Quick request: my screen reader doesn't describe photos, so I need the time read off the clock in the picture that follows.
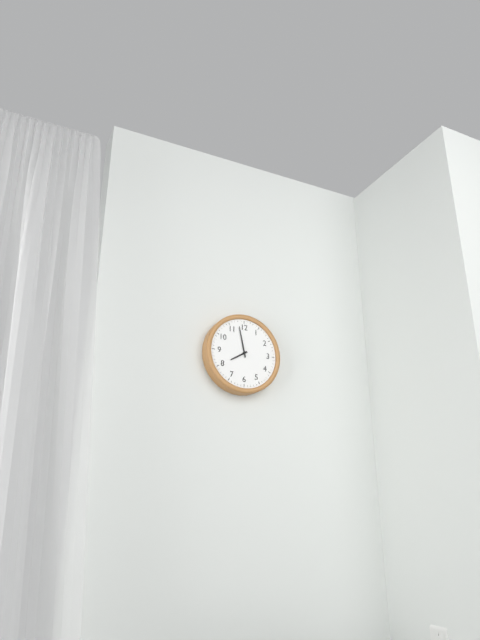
7:58
